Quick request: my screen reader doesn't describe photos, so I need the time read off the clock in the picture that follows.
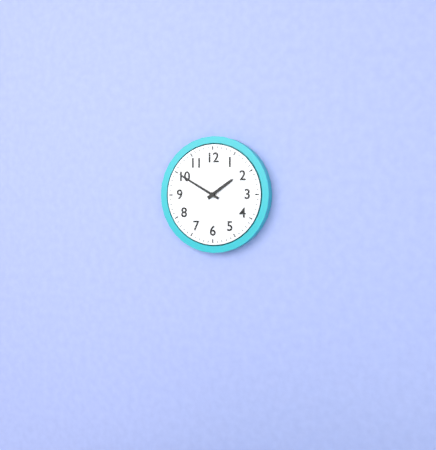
1:50
